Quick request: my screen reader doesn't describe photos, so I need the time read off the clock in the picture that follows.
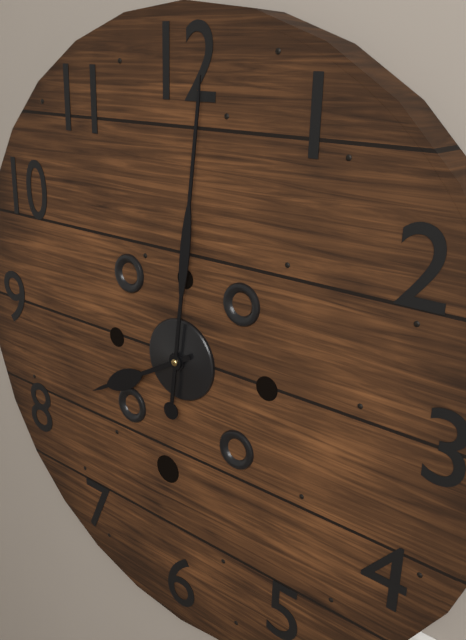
8:01
